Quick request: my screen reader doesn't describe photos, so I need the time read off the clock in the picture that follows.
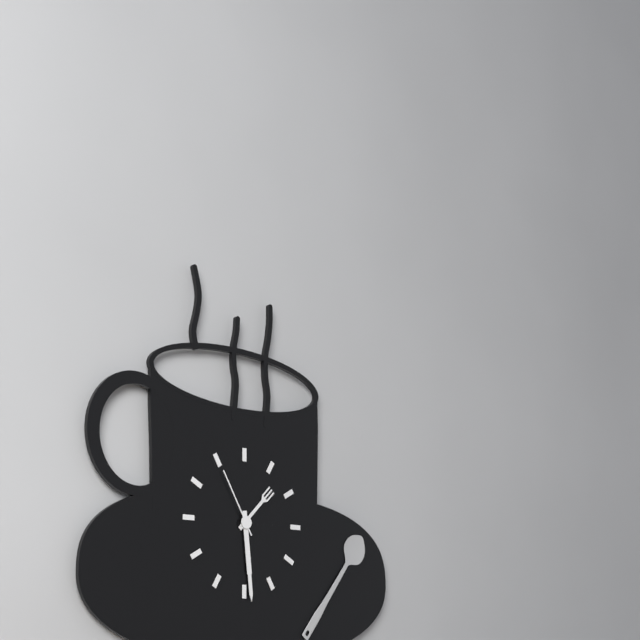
1:29:55
